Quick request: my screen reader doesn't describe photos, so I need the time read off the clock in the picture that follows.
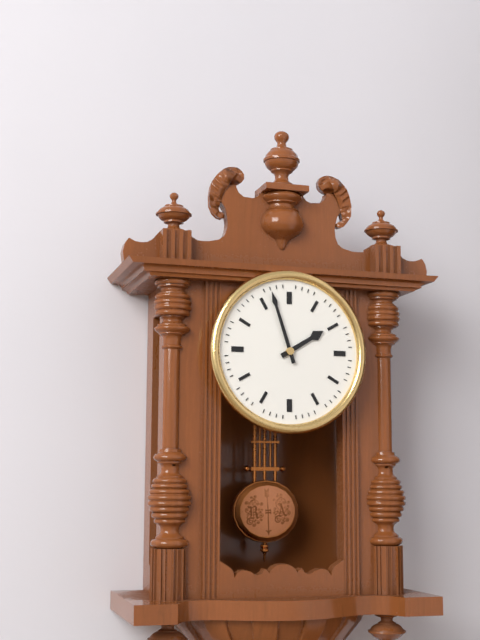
1:57
